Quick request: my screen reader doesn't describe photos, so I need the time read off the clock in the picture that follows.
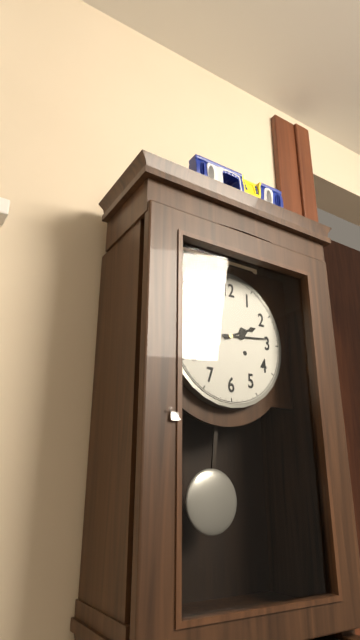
2:14
